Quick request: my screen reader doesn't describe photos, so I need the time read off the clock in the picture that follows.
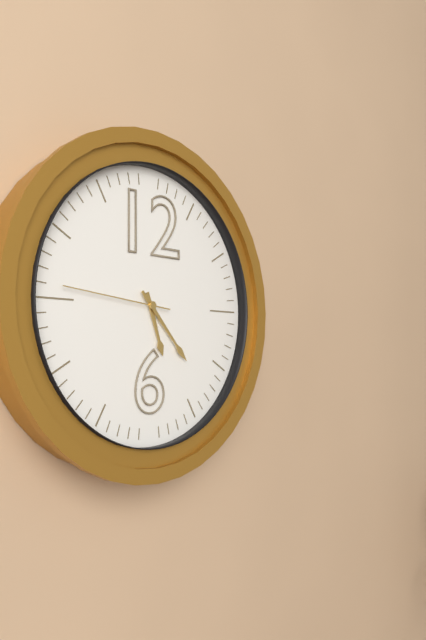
5:23:46
